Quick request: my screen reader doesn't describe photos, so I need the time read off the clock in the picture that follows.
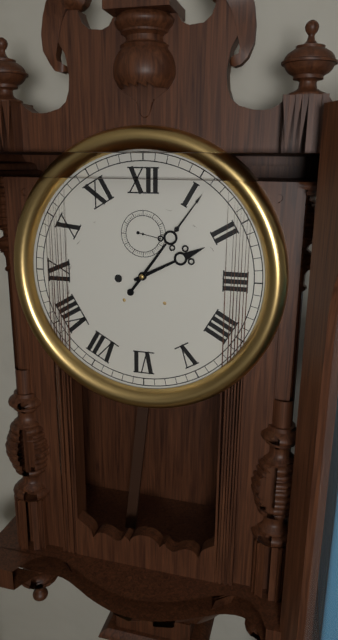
2:06
